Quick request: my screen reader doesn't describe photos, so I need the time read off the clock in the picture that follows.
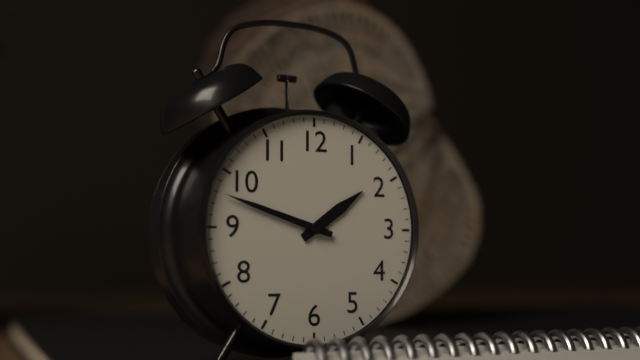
1:48
